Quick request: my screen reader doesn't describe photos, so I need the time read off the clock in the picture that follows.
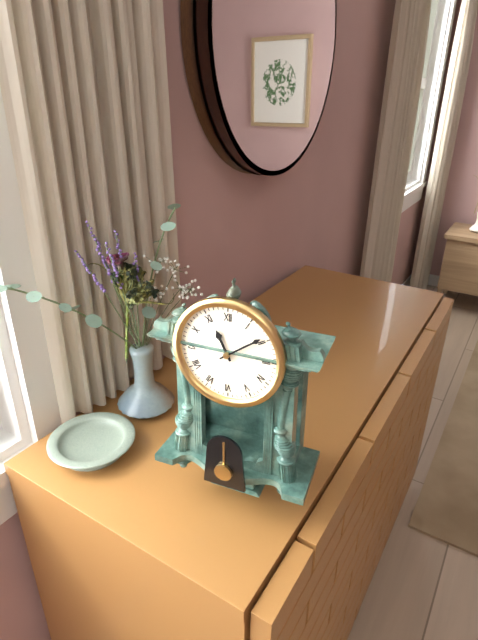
11:09
